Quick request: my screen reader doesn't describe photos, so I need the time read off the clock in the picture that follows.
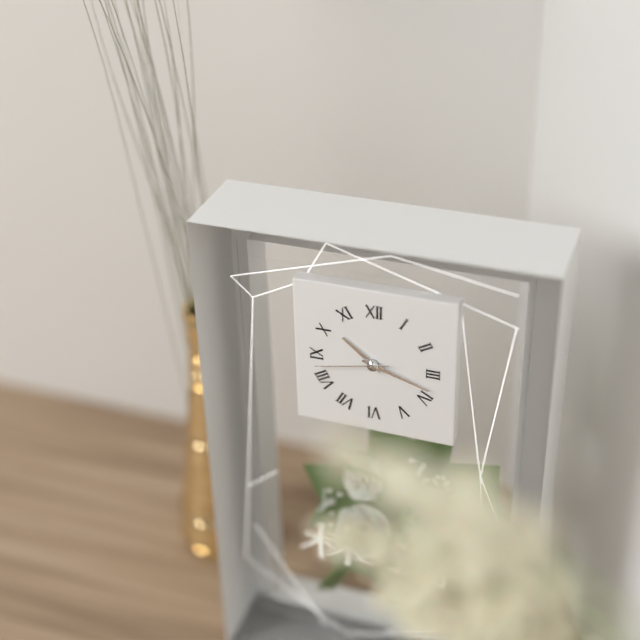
10:18:43
